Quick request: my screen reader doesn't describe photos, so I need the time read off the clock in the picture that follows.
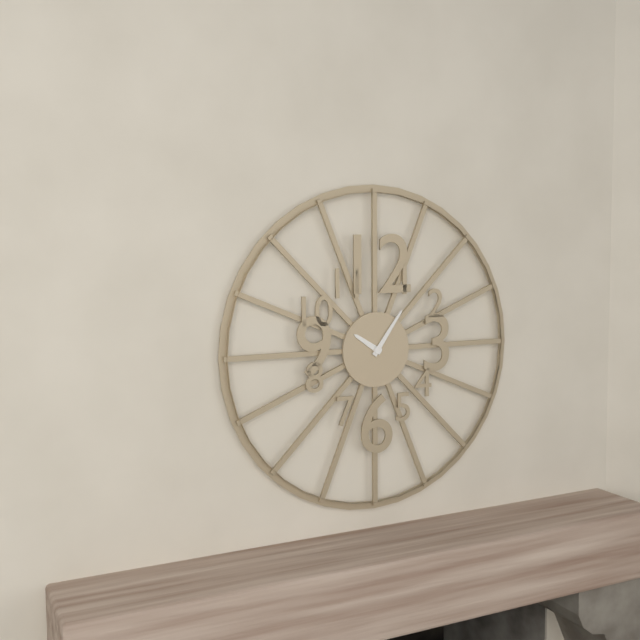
10:06
